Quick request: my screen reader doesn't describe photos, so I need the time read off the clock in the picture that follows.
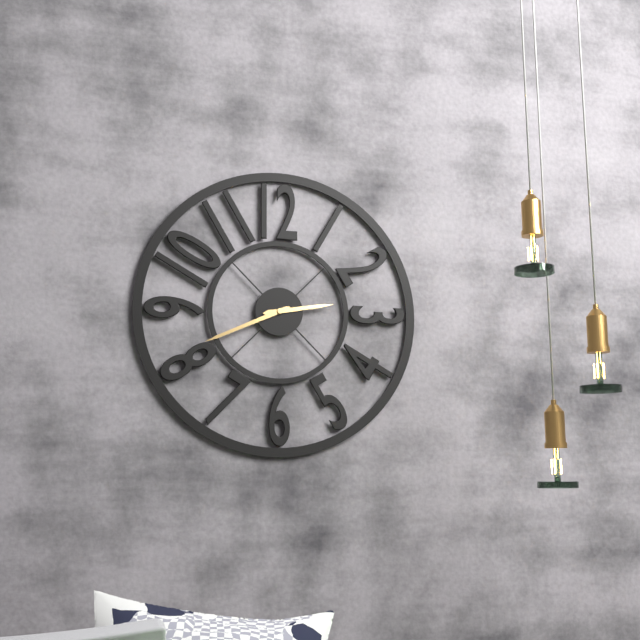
2:41
